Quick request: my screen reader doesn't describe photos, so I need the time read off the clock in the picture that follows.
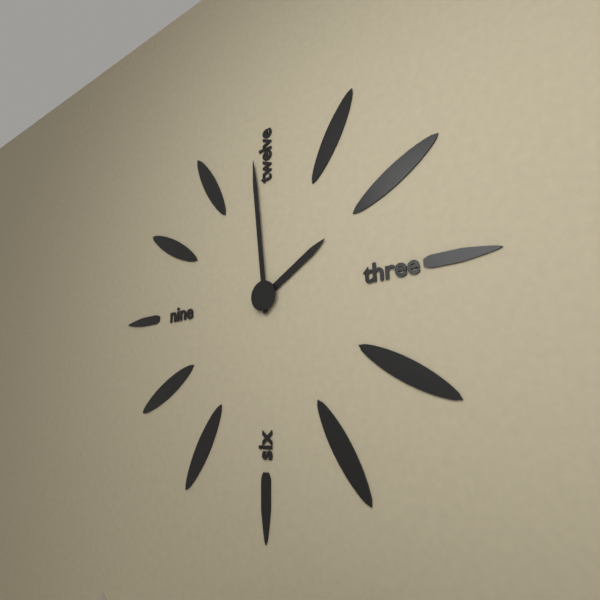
1:59
